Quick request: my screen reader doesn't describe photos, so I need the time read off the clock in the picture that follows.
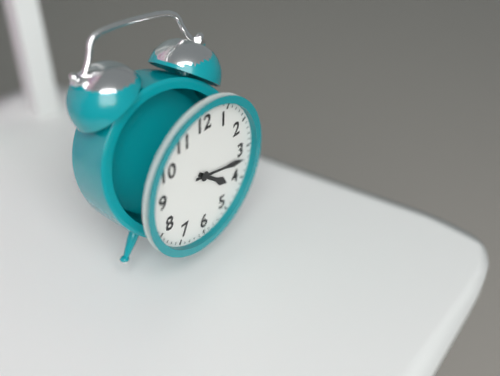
4:17
